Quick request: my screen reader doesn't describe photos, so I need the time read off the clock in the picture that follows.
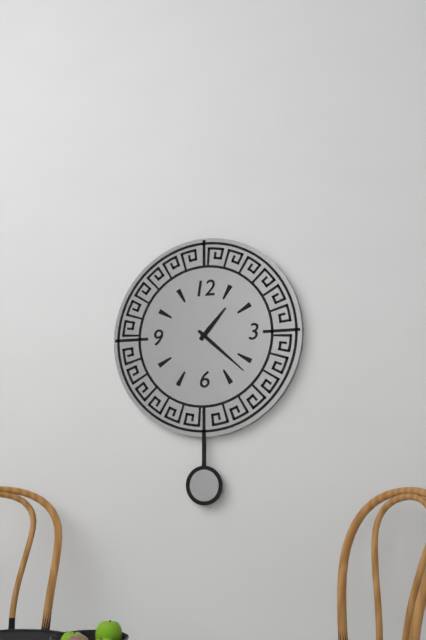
1:22
